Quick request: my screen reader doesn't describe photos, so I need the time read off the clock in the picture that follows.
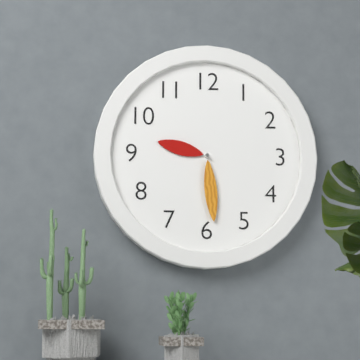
9:29
